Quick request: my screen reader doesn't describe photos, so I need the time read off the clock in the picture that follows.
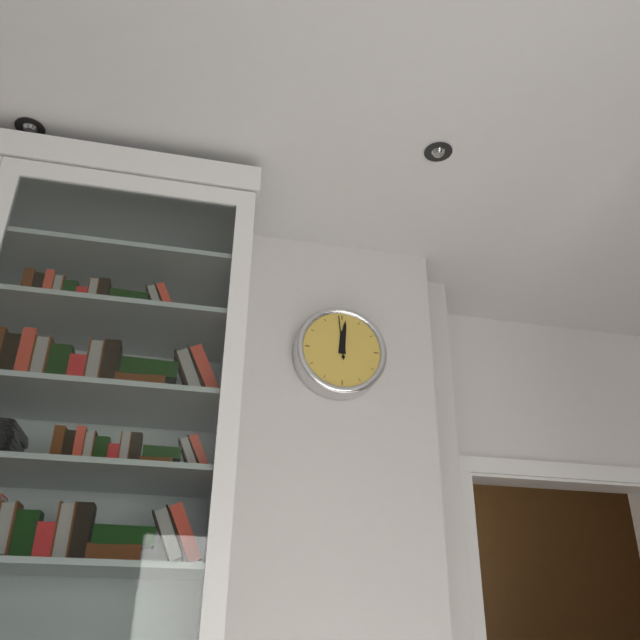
12:01
